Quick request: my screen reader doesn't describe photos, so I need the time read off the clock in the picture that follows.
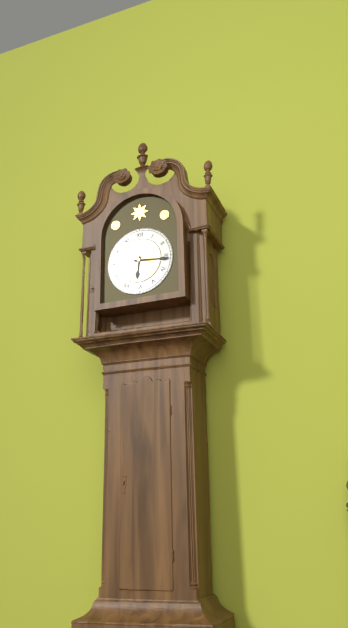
6:16
